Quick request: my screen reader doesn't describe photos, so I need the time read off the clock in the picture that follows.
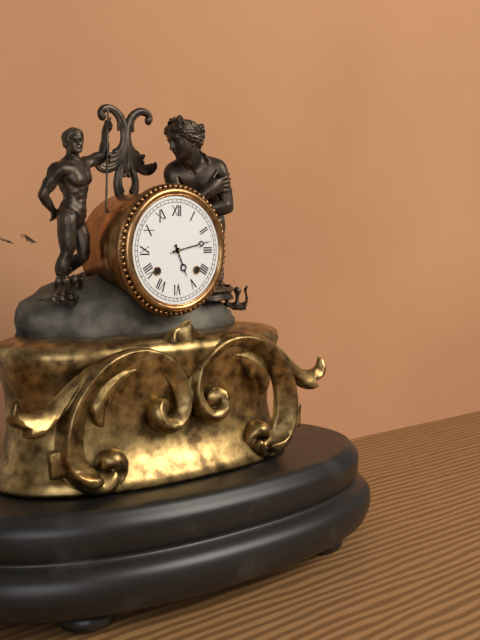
5:13
